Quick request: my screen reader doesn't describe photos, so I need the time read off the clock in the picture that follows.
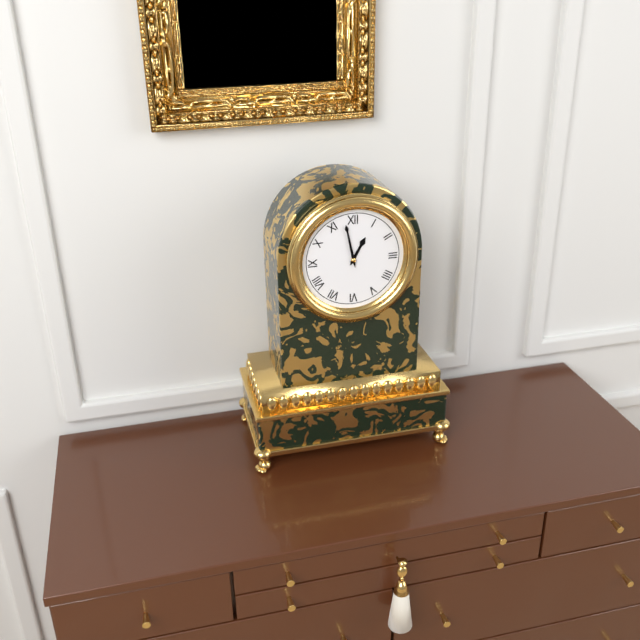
12:58
